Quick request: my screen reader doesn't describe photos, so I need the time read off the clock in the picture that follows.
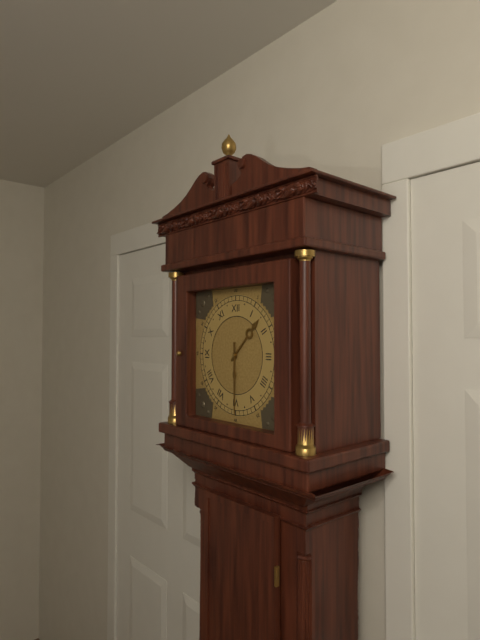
1:30
